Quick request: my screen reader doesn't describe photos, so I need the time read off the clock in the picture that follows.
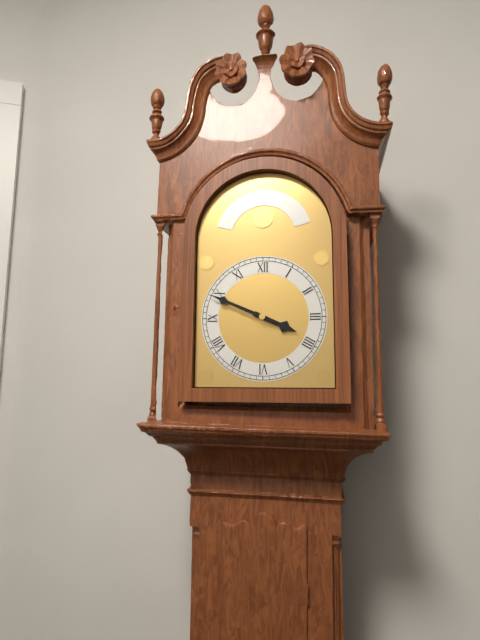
3:49
